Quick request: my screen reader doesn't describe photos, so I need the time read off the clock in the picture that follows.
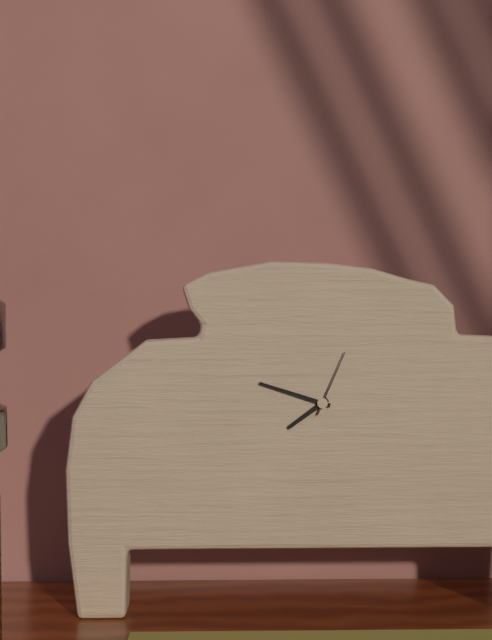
7:48:04
